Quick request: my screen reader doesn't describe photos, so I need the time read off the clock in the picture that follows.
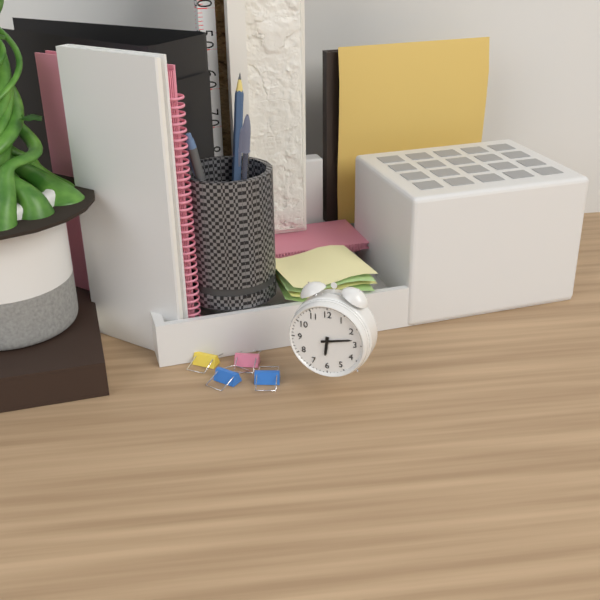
6:13
